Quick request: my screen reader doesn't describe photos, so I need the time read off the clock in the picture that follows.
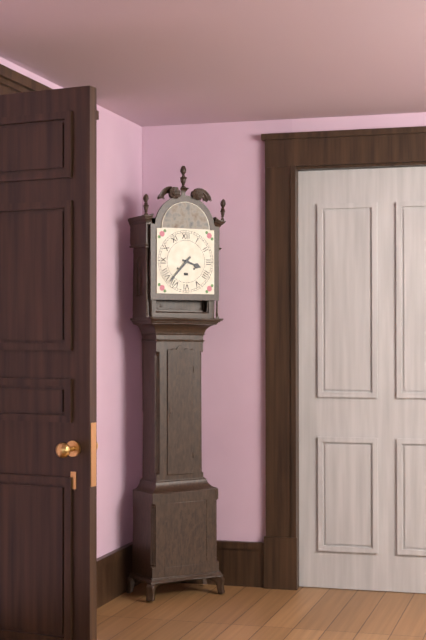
3:37
